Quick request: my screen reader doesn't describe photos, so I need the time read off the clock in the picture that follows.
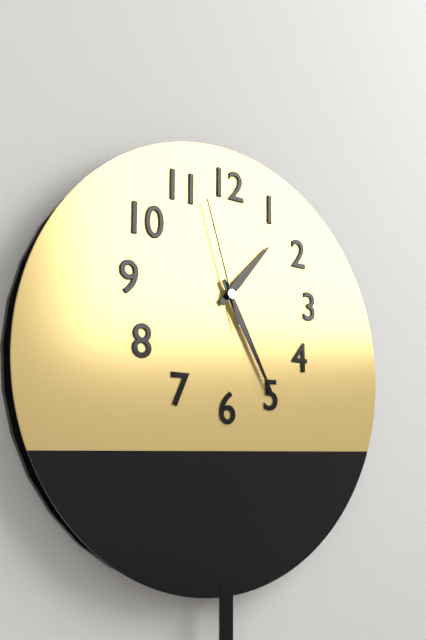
1:25:57
